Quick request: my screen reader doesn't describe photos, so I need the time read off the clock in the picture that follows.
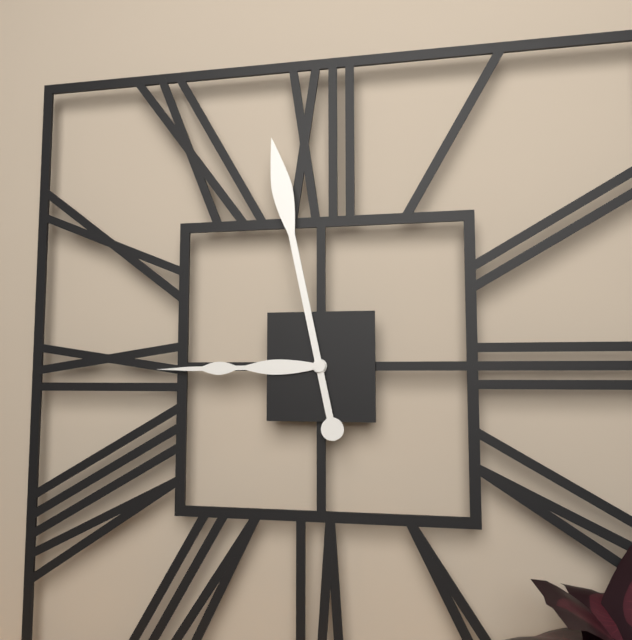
8:58
